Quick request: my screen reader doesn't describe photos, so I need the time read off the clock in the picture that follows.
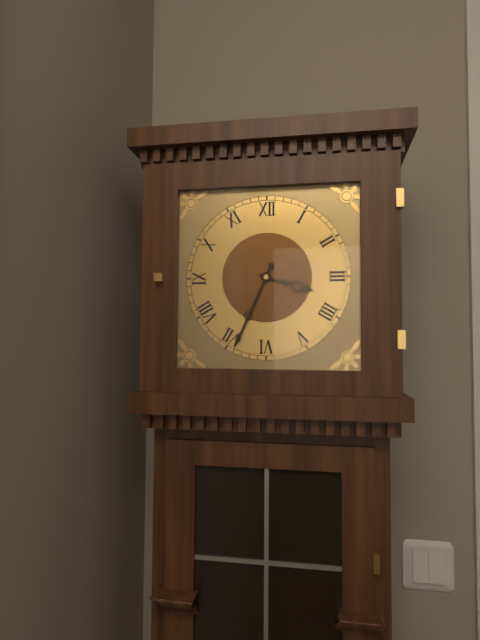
3:34
